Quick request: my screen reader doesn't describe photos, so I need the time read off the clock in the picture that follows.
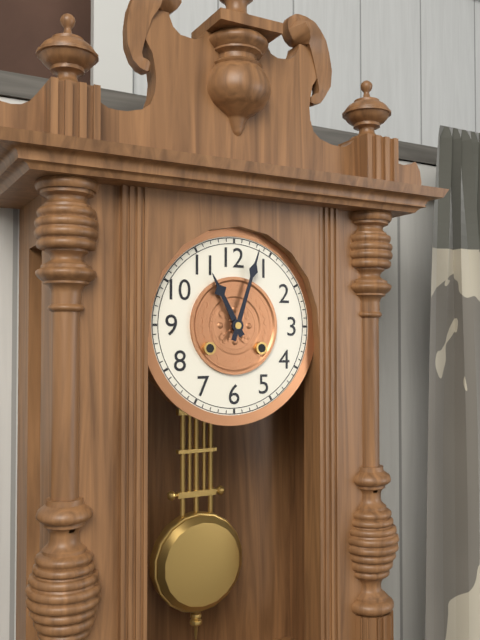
11:03
